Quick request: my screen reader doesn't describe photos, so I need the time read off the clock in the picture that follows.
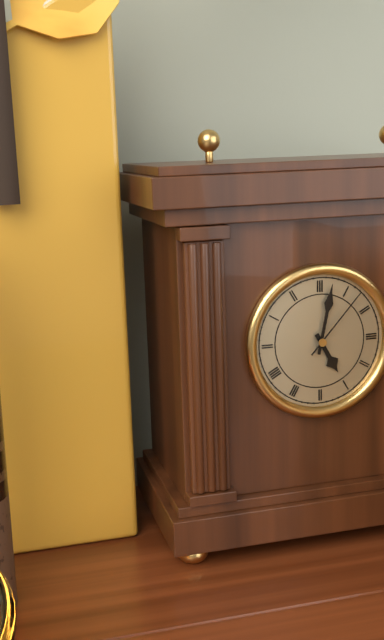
5:02:07
